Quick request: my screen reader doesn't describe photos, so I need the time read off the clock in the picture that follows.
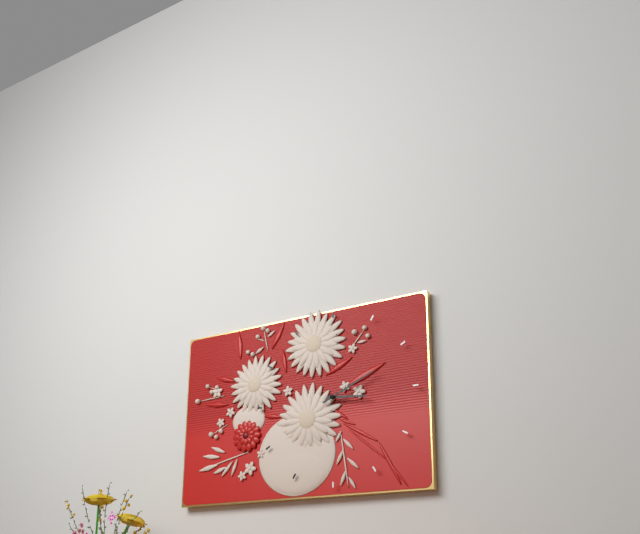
3:11
